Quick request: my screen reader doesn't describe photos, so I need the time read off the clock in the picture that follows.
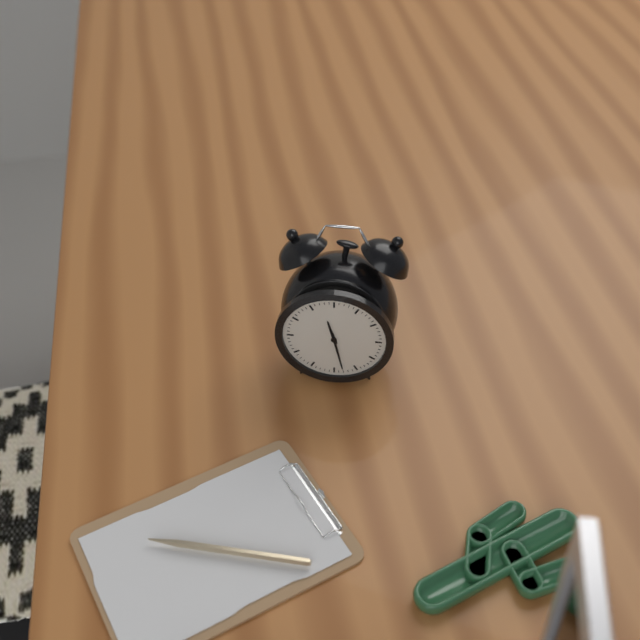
11:28
